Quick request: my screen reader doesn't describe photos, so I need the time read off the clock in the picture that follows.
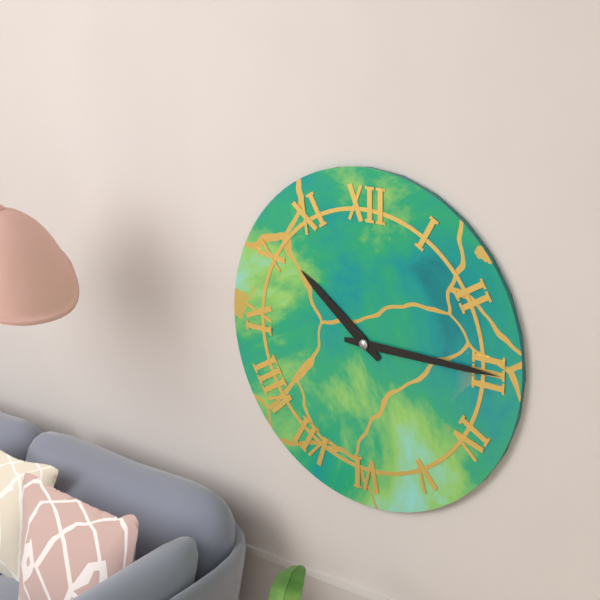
10:15
